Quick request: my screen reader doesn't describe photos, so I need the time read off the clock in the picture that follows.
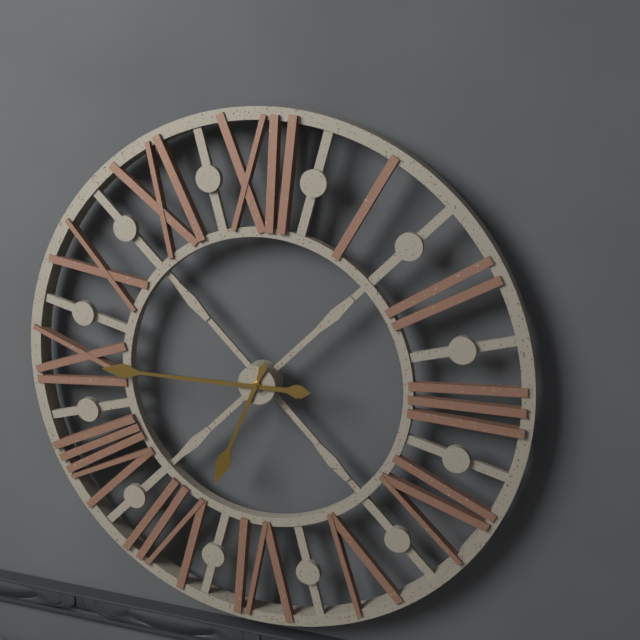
6:45
